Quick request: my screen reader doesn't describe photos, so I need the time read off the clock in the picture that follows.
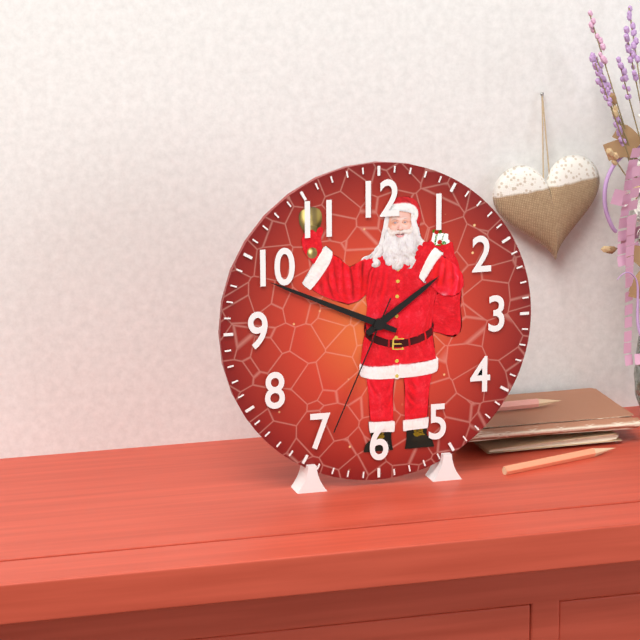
1:49:34
